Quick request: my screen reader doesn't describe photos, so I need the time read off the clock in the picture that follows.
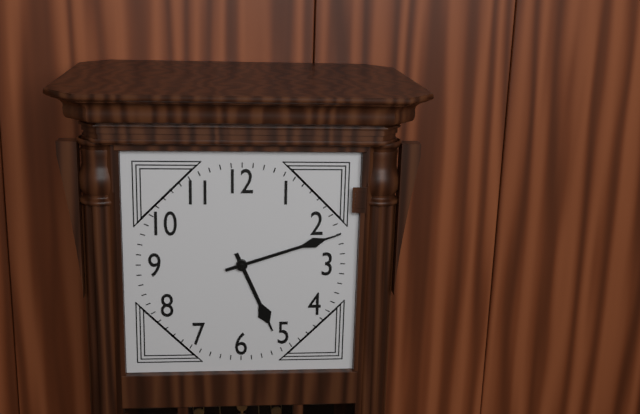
5:12
